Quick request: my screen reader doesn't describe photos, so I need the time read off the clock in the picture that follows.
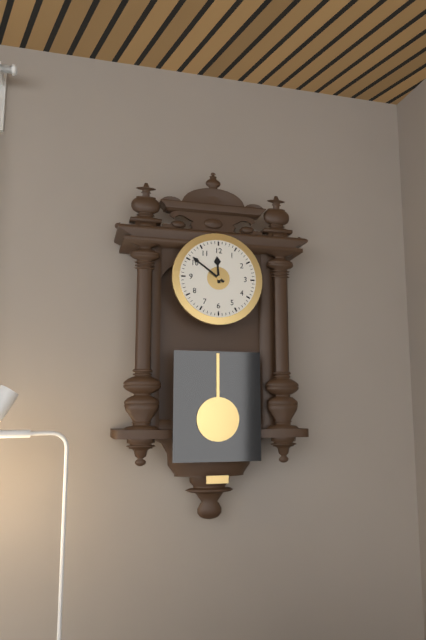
11:51
